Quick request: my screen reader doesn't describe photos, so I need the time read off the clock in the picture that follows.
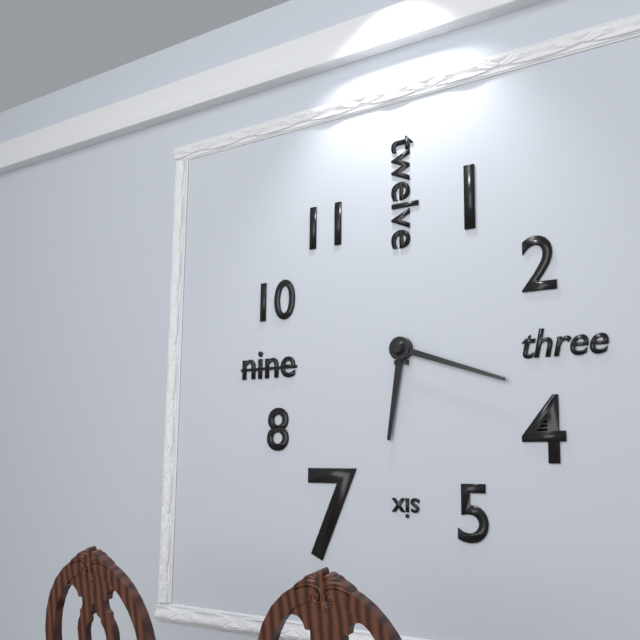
6:18
